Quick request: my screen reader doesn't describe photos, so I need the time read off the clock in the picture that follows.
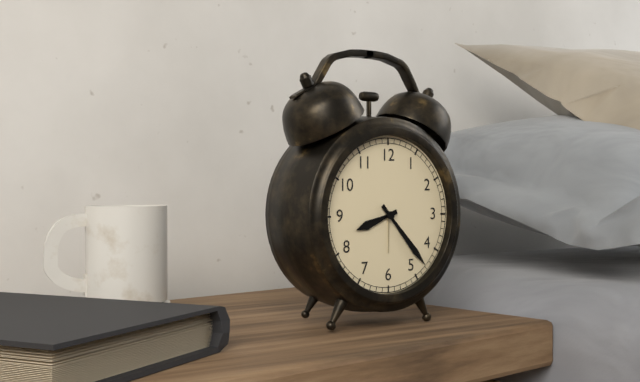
8:23
